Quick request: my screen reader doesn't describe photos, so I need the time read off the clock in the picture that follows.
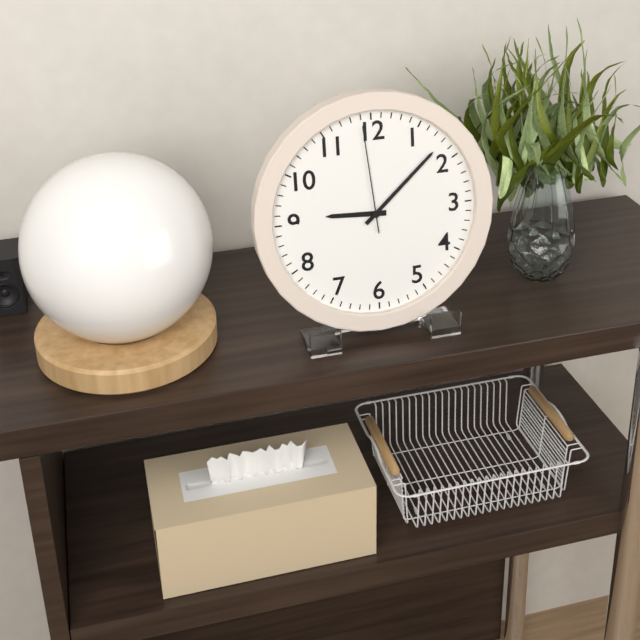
9:08:59
